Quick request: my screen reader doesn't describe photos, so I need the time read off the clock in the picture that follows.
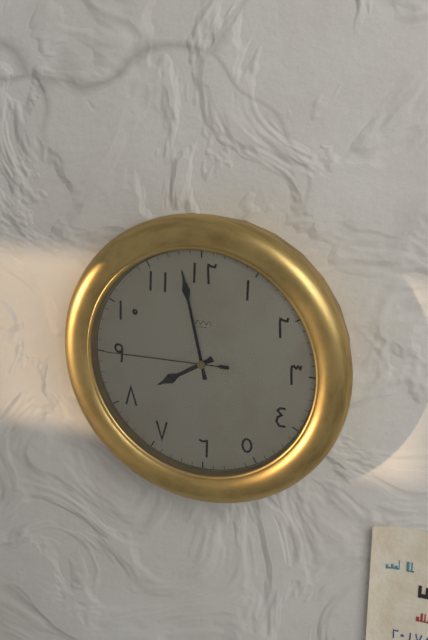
7:58:45
